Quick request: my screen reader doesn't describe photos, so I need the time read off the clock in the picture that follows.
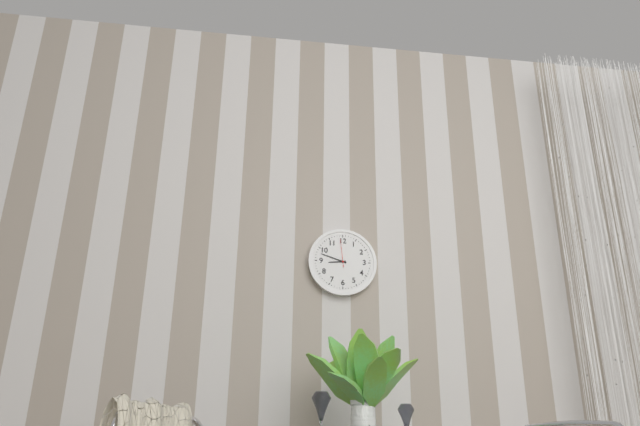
8:48
